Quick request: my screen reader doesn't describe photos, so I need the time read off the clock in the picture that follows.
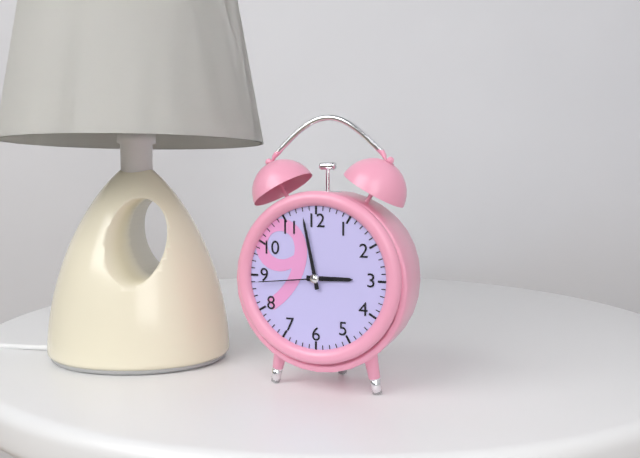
2:58:44
